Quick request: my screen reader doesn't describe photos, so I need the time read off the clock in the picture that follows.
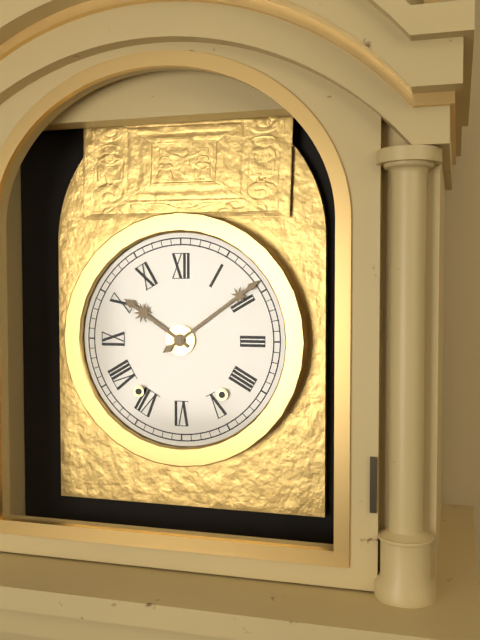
10:09
